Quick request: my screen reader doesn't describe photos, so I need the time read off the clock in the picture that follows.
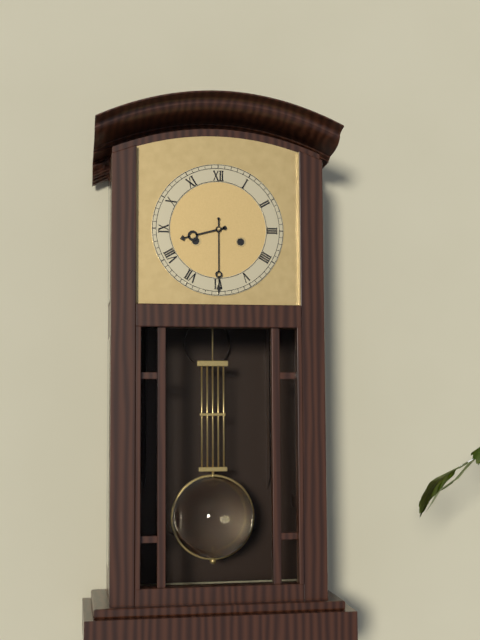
8:30
